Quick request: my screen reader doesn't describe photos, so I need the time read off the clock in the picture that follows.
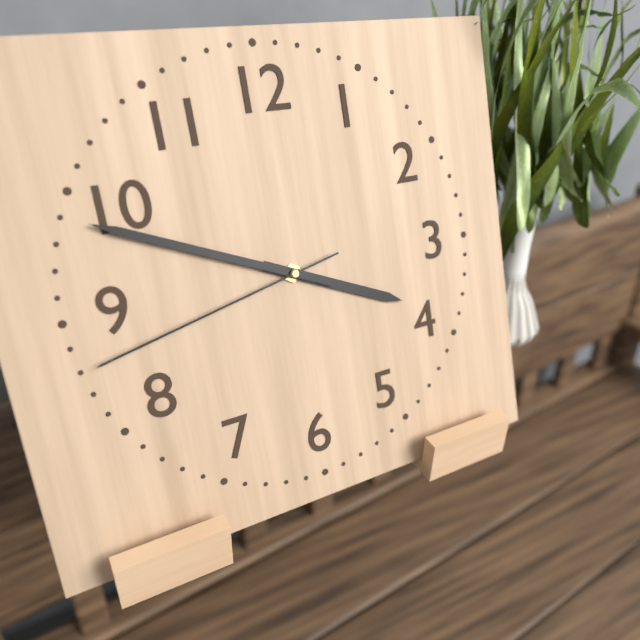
3:49:43
